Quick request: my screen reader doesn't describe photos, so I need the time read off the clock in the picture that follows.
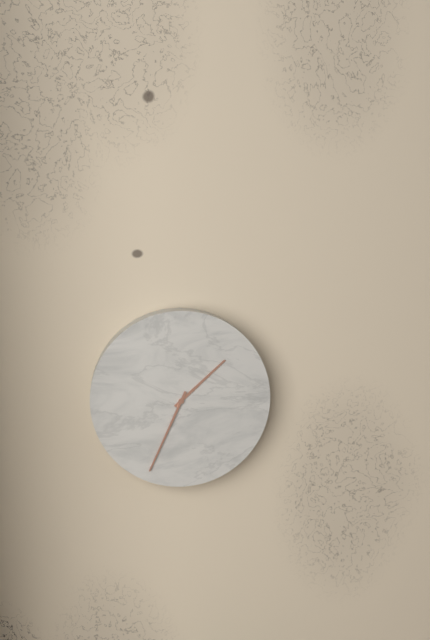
1:34
